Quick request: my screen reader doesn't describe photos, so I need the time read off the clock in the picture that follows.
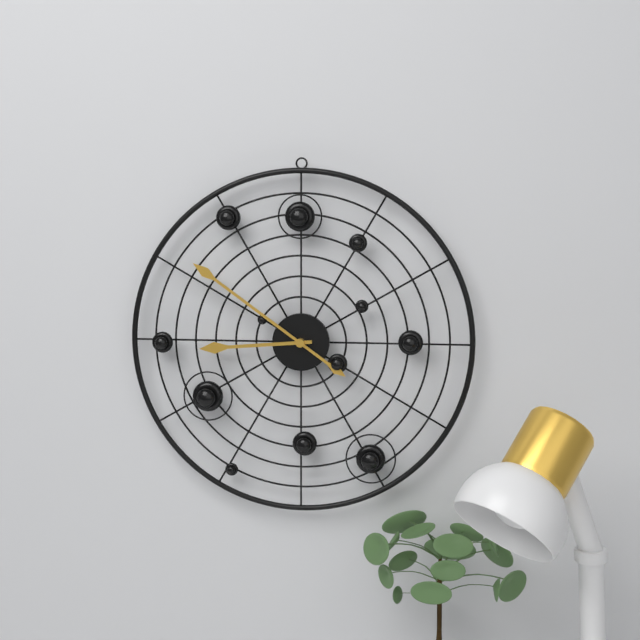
8:51
